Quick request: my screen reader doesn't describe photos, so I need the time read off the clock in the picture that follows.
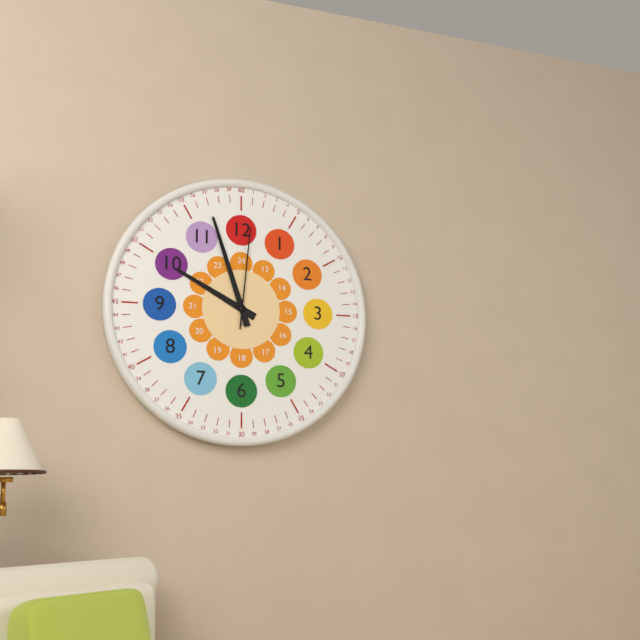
9:57:01
